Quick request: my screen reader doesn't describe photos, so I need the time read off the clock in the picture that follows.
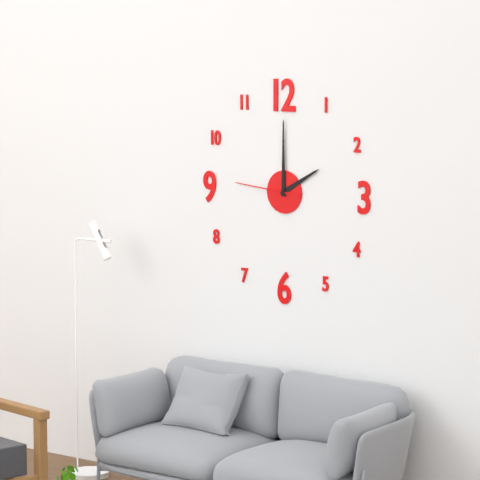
2:00:46
